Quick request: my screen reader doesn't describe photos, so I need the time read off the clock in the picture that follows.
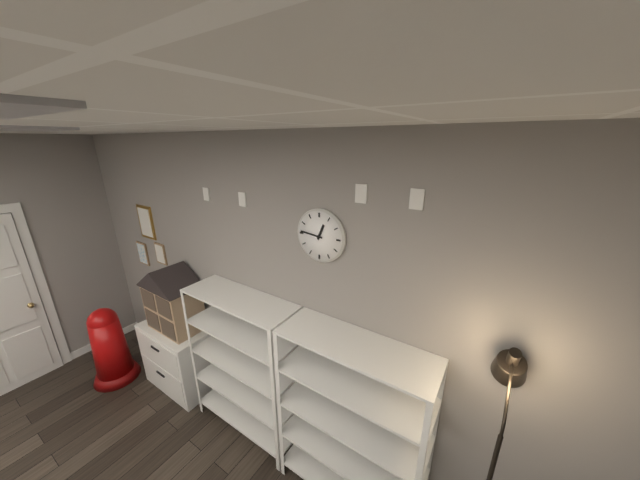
12:46
